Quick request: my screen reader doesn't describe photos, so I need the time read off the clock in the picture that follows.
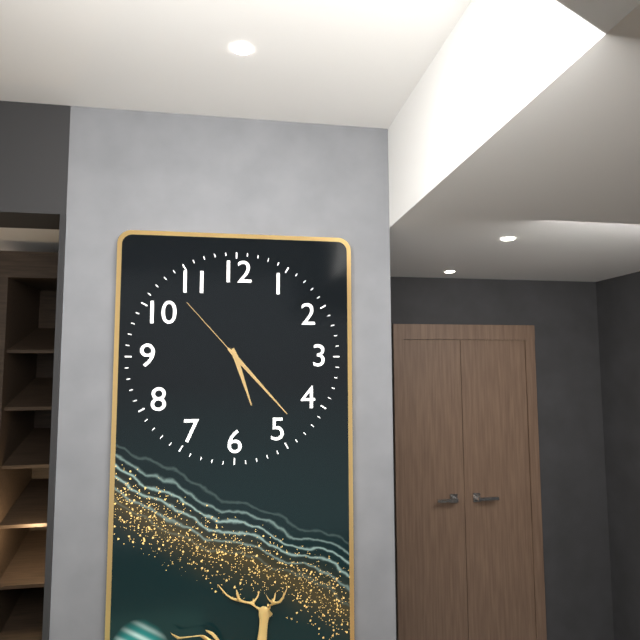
5:23:53
